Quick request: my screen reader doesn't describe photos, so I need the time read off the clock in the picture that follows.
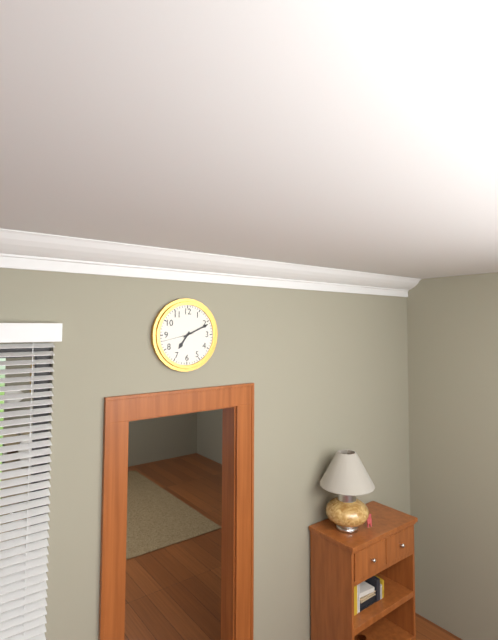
7:11
